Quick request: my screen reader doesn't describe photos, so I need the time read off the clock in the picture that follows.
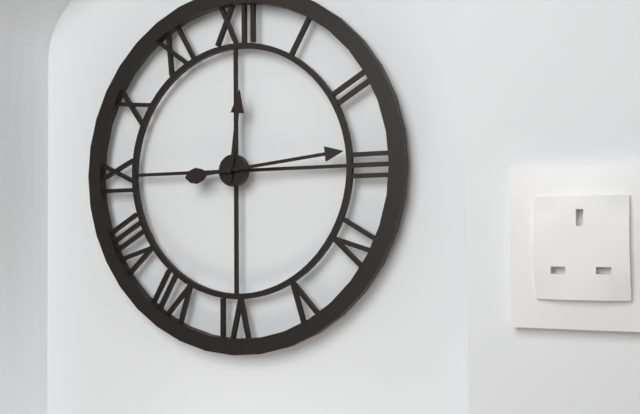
12:14
